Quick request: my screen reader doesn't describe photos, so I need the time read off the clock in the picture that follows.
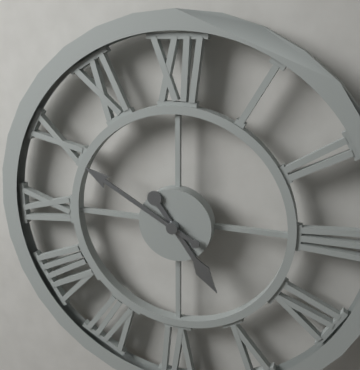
4:50
